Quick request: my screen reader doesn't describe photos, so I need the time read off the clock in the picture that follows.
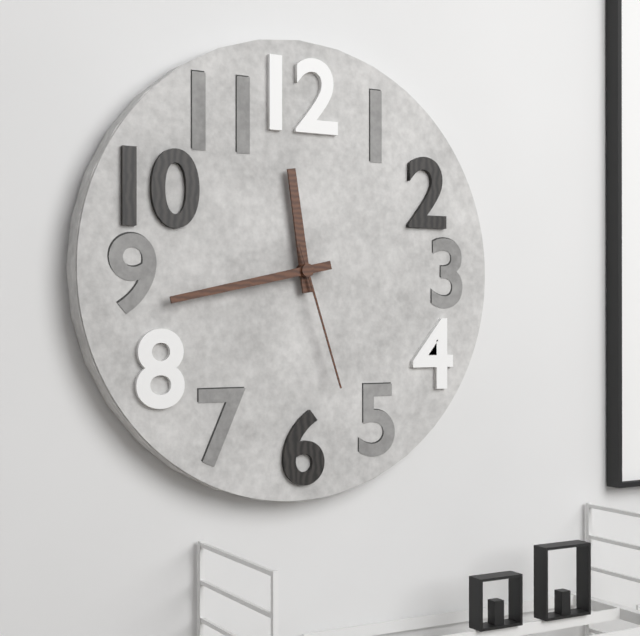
11:43:27
